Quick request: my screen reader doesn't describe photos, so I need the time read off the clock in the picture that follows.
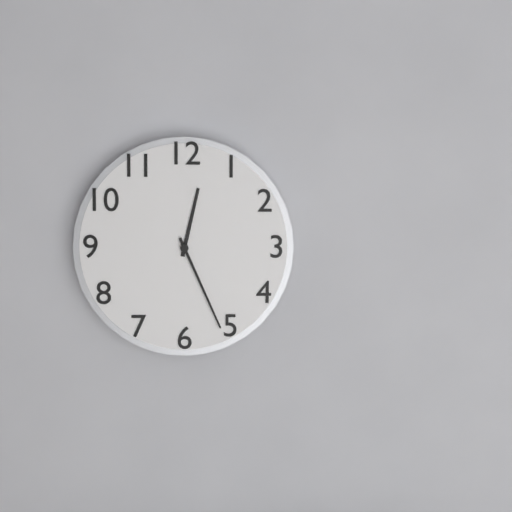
12:26
